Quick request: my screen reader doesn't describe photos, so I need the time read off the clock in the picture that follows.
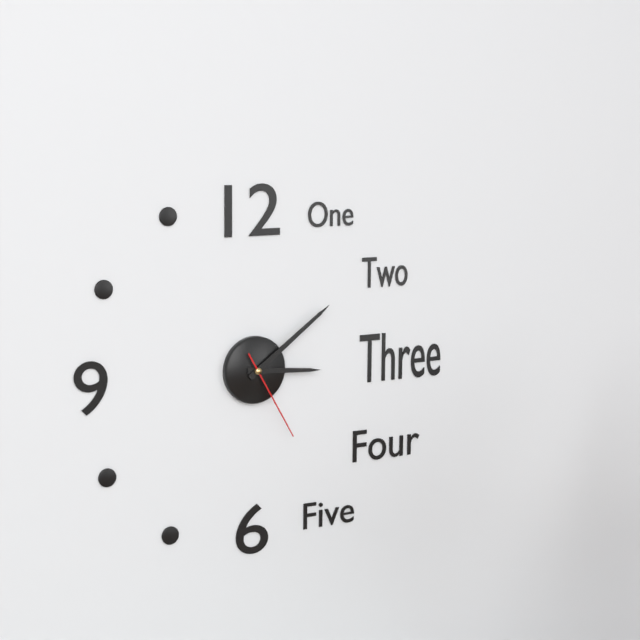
3:09:25
